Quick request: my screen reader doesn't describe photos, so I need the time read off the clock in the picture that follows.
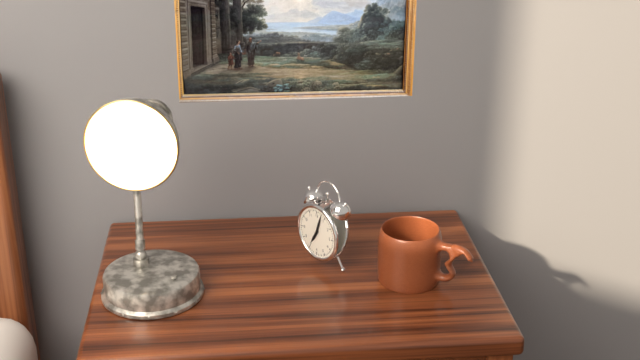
7:03
